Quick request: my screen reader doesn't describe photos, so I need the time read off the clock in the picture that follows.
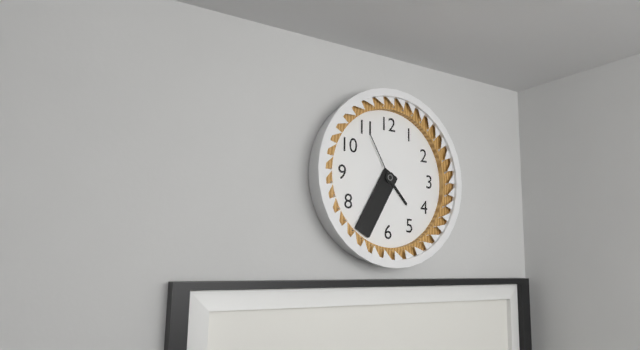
4:35:55
